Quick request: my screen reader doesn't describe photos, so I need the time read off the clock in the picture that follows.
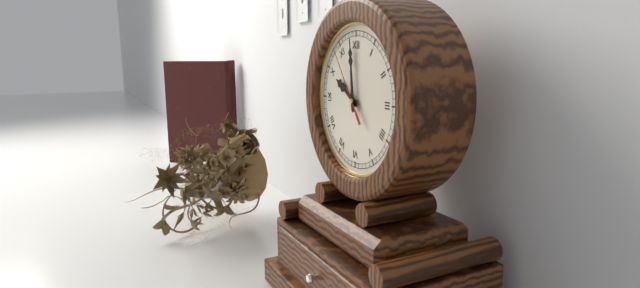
9:59:54
